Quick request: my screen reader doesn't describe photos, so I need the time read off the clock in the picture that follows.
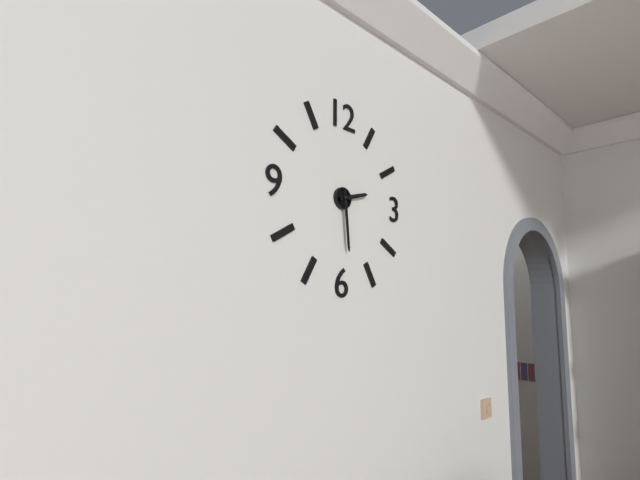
2:29
